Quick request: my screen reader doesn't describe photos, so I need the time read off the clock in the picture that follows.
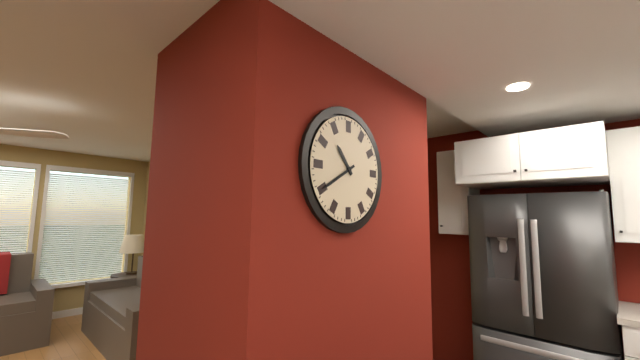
10:40
